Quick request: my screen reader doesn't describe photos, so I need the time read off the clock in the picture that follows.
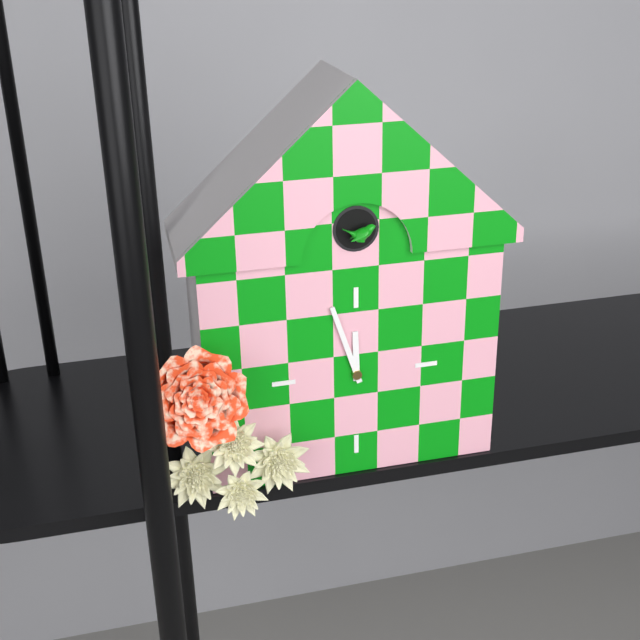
11:57
